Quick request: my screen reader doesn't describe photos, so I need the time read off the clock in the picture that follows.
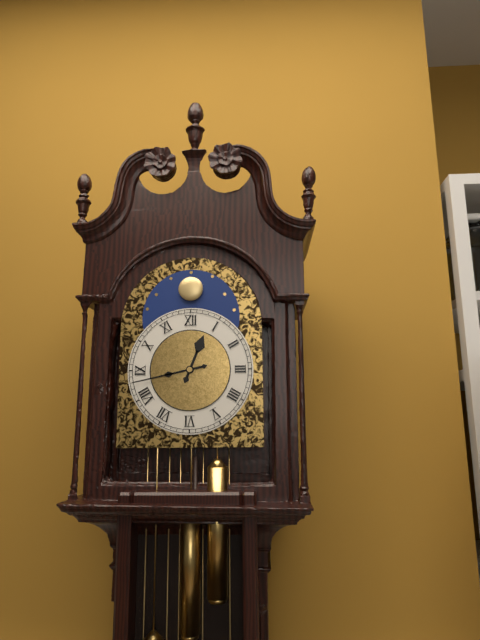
12:43
